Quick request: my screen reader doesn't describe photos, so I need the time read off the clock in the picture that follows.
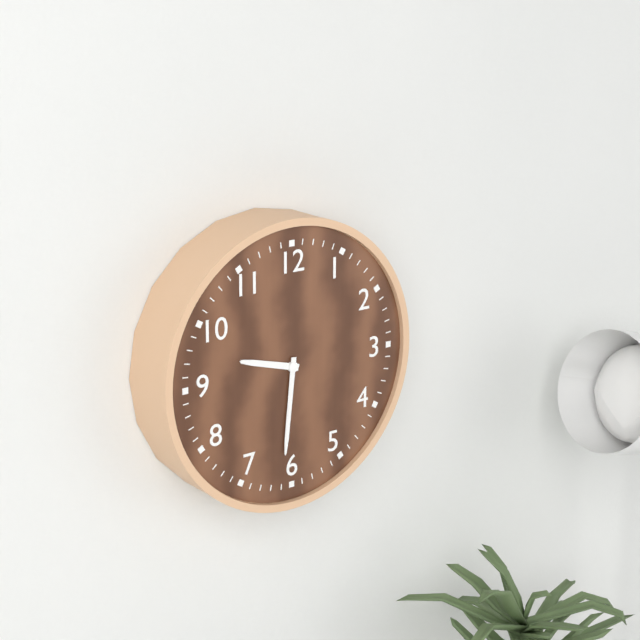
9:31
